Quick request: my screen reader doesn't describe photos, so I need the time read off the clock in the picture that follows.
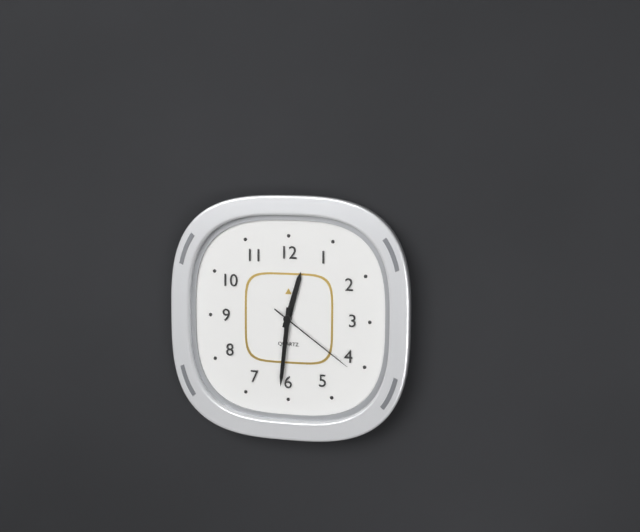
12:31:21
